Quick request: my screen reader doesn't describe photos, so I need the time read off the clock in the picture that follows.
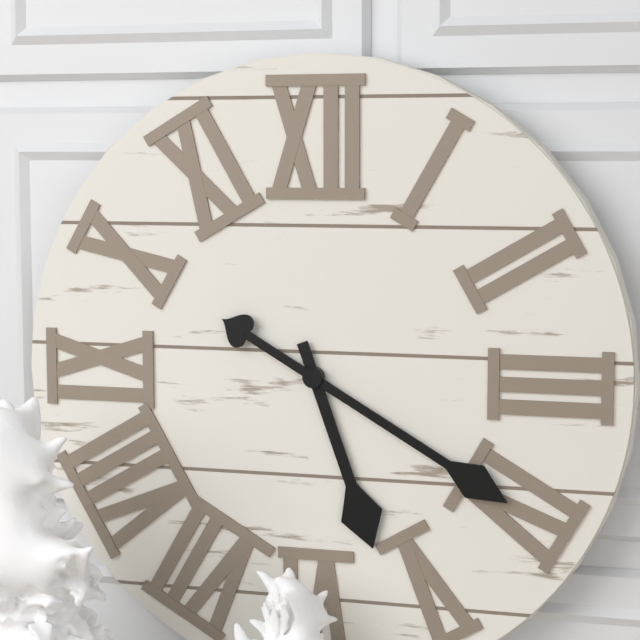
5:20
